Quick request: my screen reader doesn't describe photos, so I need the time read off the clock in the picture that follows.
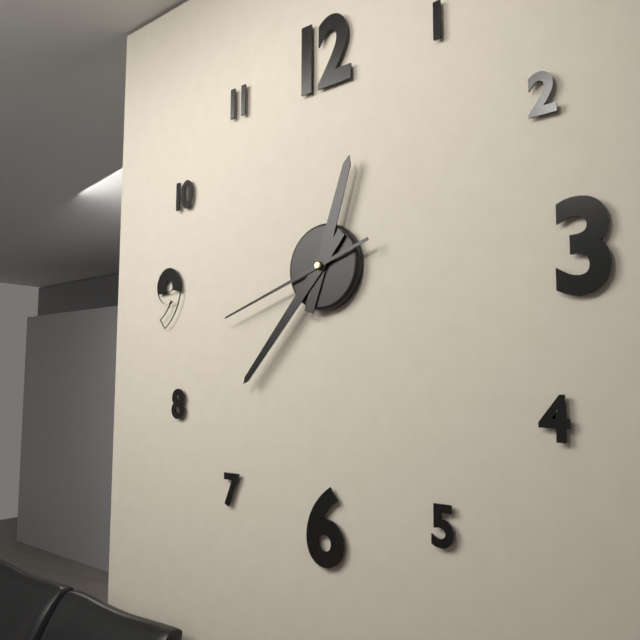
12:37:42
